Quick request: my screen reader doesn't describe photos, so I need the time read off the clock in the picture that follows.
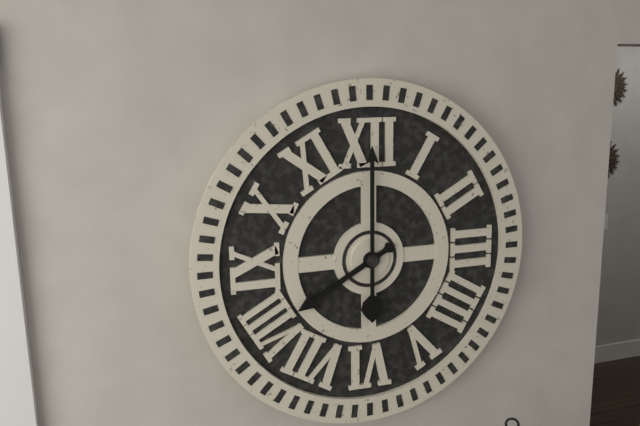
8:00
